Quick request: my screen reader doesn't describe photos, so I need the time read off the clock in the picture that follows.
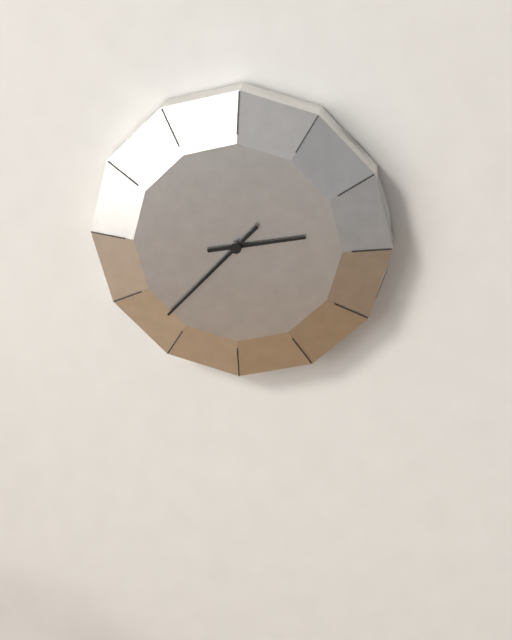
2:37
